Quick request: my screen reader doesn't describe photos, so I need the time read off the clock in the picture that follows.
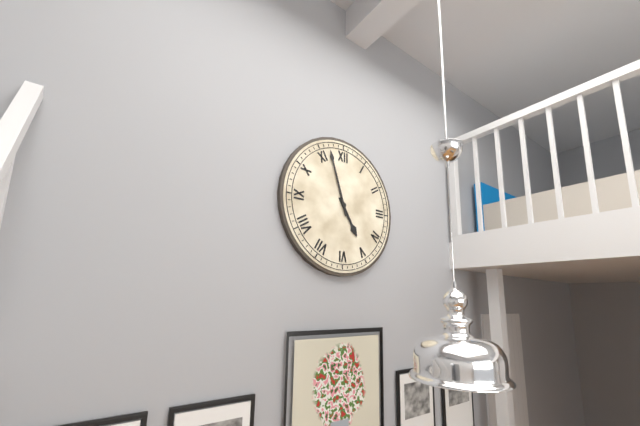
4:57
